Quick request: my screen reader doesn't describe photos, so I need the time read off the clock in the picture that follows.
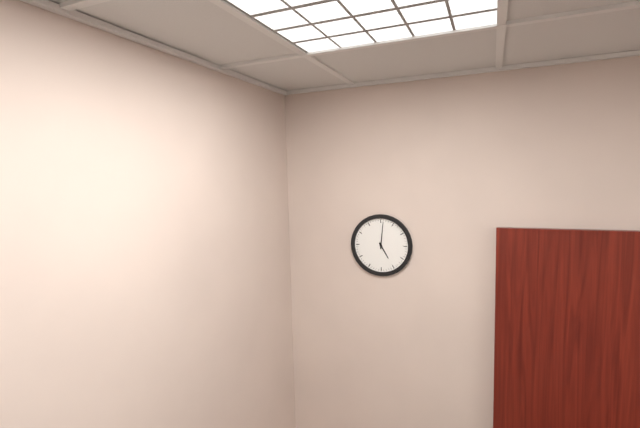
5:01
